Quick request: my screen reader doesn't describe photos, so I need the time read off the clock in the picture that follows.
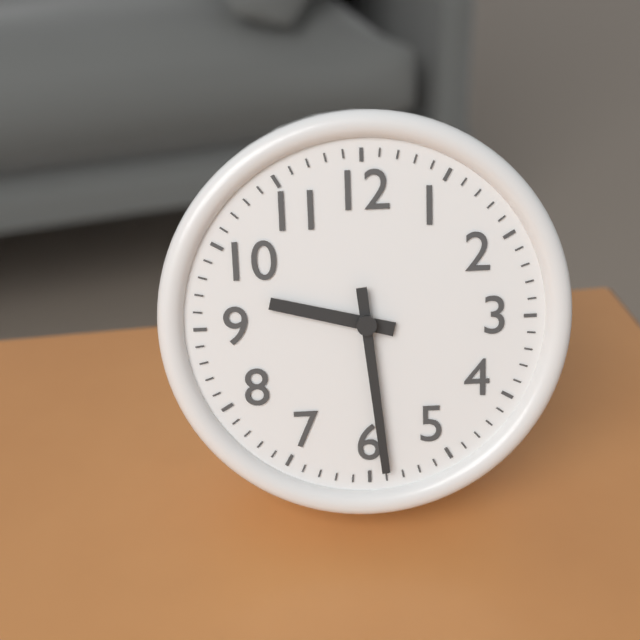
9:29
